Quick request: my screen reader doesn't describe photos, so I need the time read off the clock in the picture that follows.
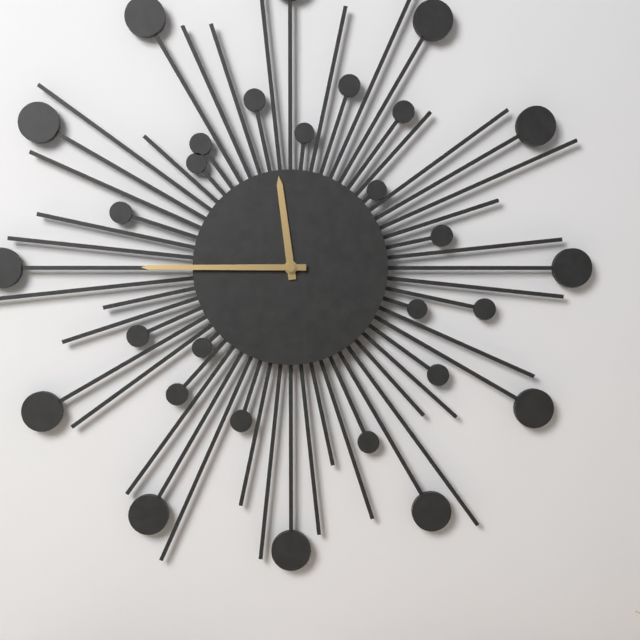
11:45
